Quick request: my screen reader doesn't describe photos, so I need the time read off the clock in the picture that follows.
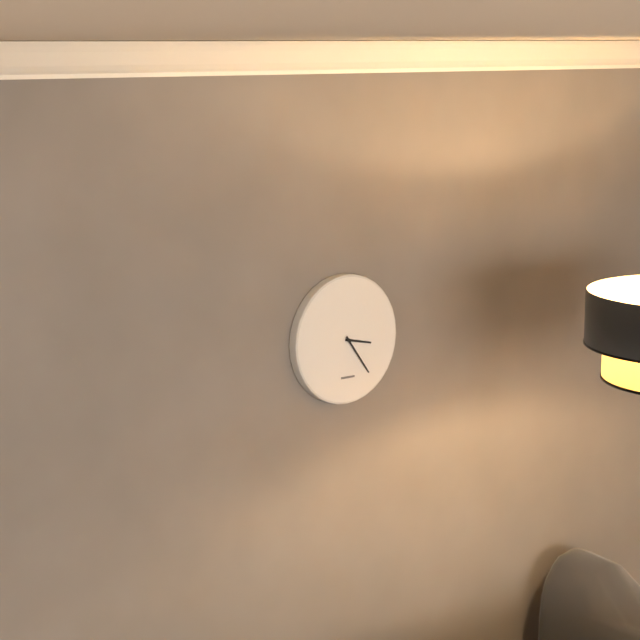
3:24
